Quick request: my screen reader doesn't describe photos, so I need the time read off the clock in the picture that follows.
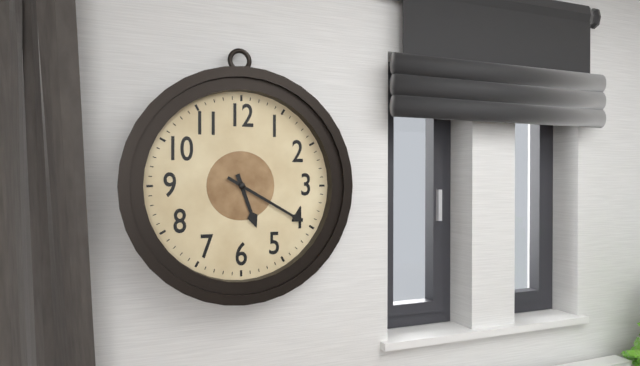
5:20
